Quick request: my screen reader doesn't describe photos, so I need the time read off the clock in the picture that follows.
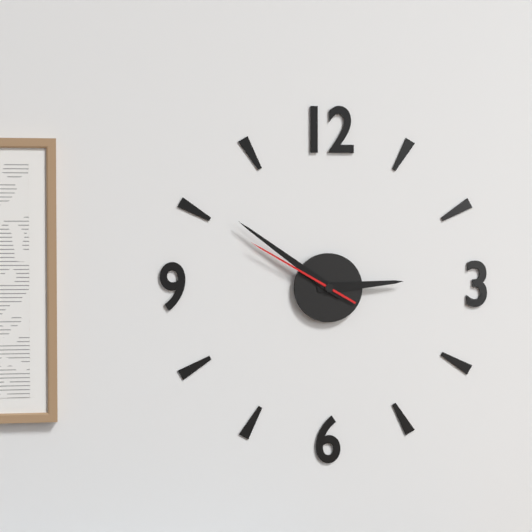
2:51:50
